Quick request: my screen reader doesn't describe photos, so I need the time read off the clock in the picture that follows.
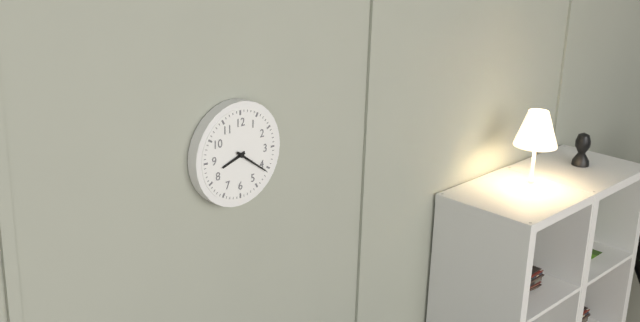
8:21
